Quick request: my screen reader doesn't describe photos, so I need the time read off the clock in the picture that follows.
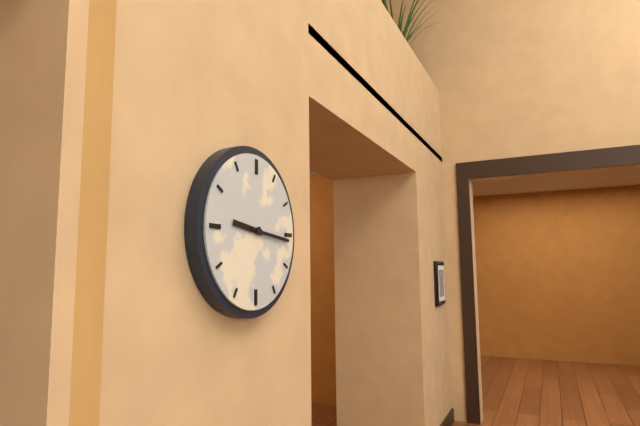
9:16
